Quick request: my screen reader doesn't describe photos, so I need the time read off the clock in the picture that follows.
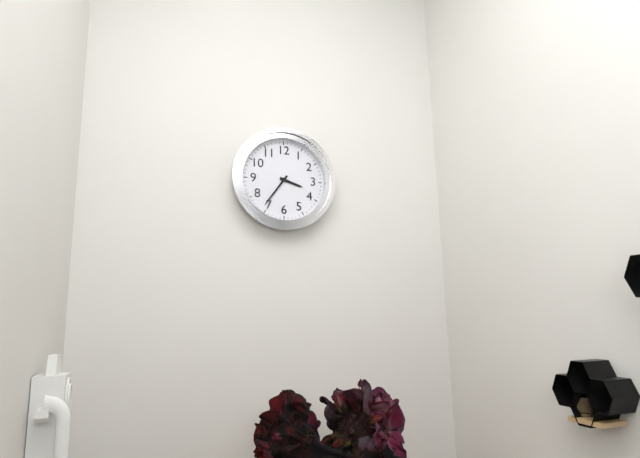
3:36
